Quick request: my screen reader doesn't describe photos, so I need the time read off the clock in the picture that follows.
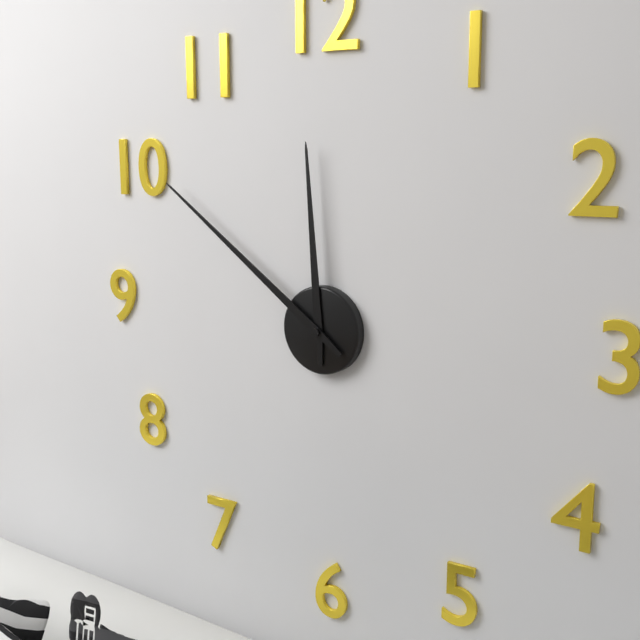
11:51
